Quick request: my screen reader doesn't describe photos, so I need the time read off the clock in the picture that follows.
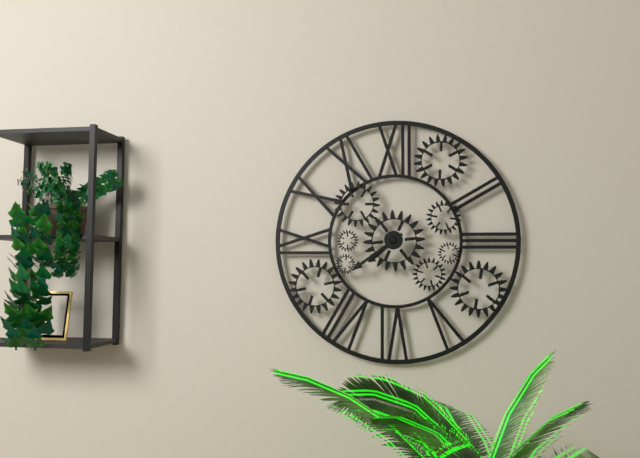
7:39
